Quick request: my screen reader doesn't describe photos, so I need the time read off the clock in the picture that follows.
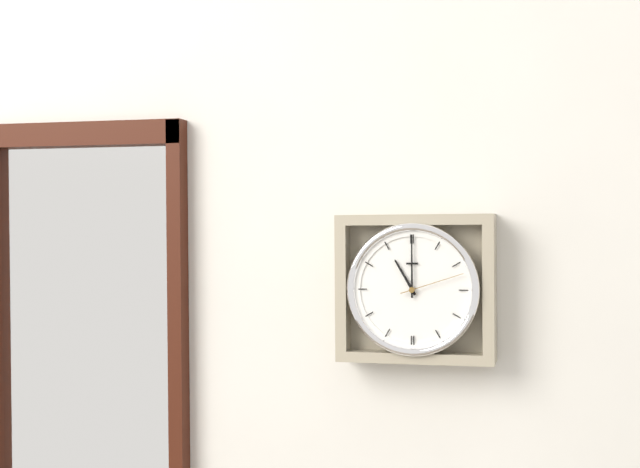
11:00:12
